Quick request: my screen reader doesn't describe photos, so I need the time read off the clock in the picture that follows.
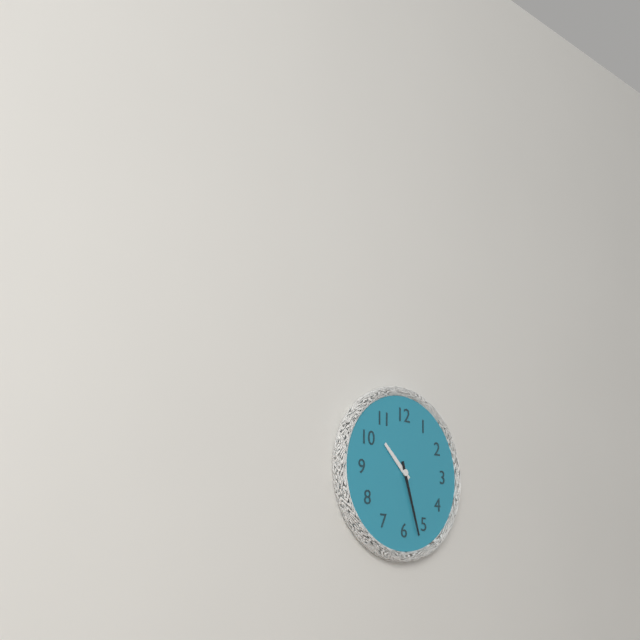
10:27
